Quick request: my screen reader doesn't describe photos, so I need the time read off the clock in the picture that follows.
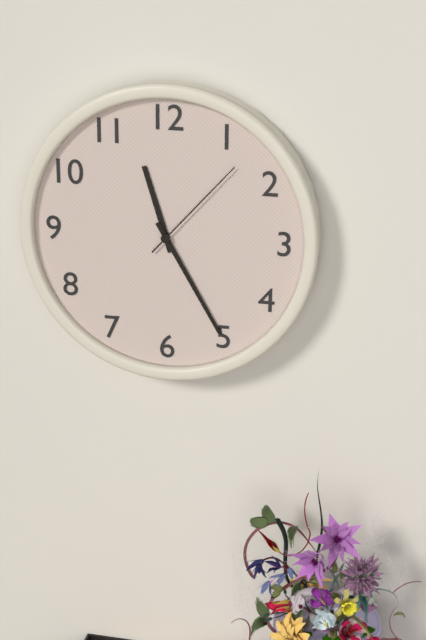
11:25:07
